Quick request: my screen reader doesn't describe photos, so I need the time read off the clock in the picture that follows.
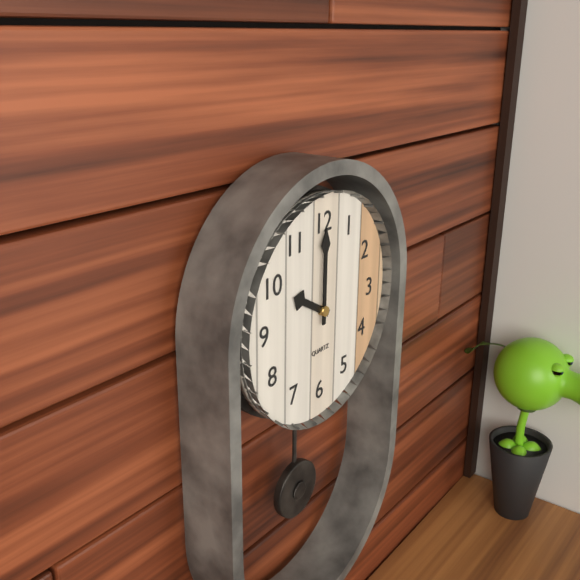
10:00
